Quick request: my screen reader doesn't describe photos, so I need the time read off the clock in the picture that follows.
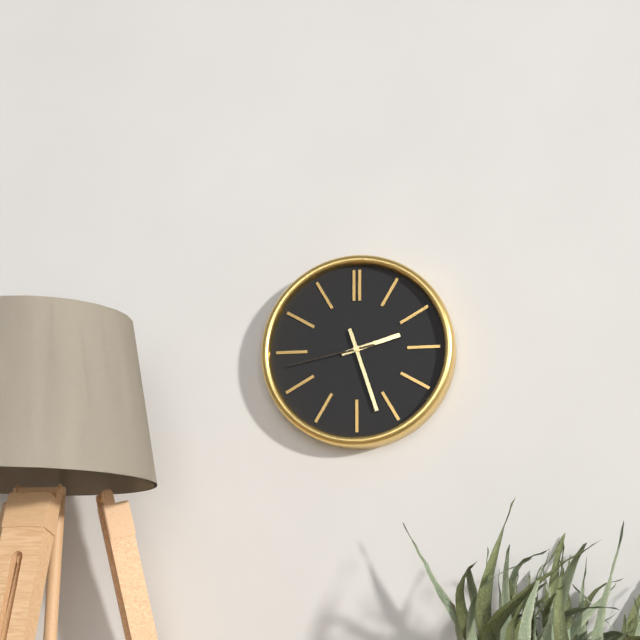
2:27:43
